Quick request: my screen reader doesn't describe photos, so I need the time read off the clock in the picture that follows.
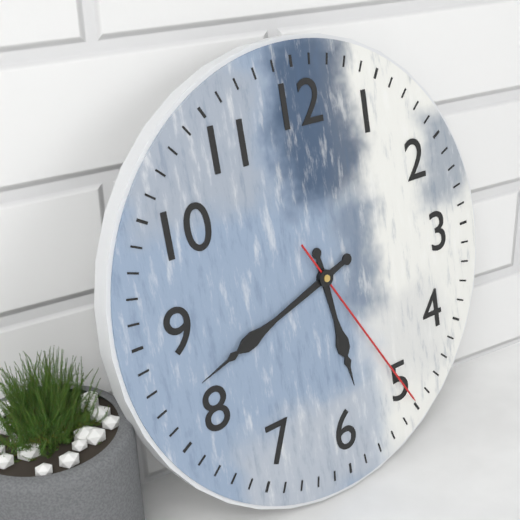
5:42:25
